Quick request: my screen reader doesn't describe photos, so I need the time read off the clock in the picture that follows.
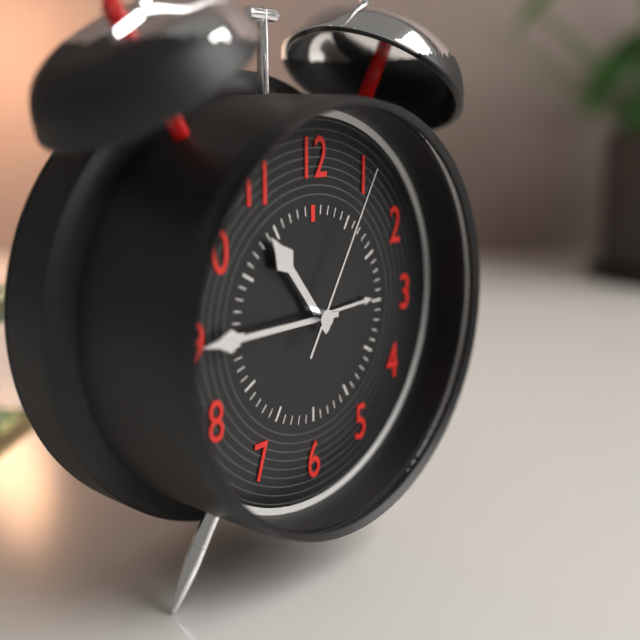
10:45:05
